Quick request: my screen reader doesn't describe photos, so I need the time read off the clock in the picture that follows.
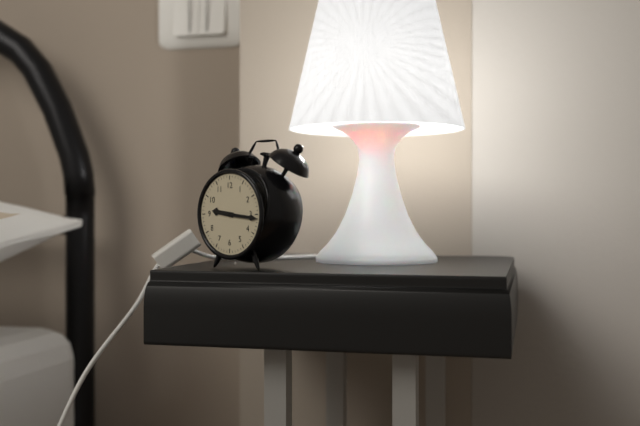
9:16
